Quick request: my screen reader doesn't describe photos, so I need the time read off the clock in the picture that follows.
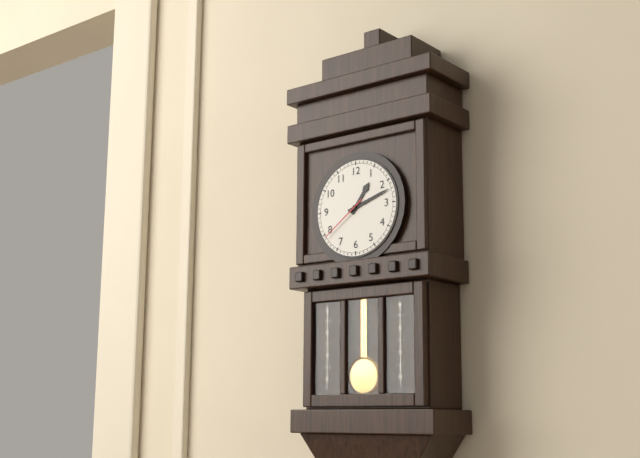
1:12:39
